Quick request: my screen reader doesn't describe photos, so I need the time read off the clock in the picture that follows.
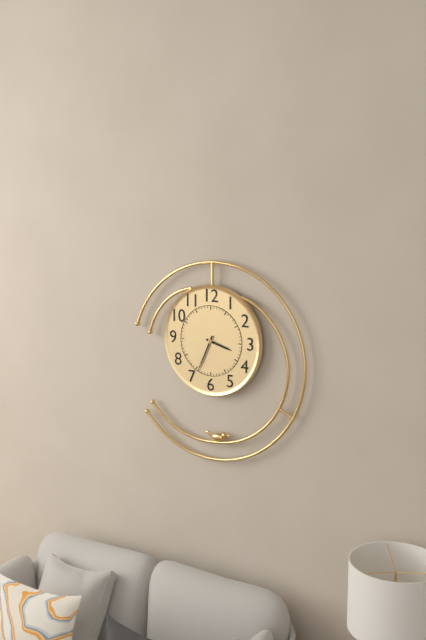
3:34
